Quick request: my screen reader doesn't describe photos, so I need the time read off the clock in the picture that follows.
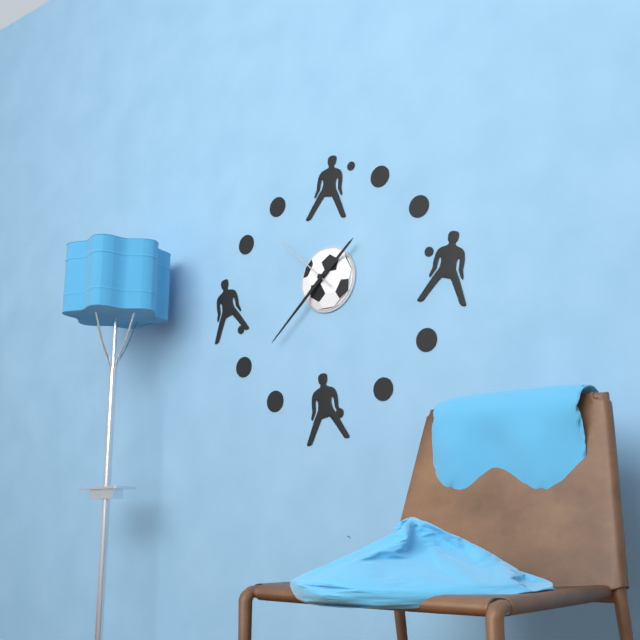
1:38:52
